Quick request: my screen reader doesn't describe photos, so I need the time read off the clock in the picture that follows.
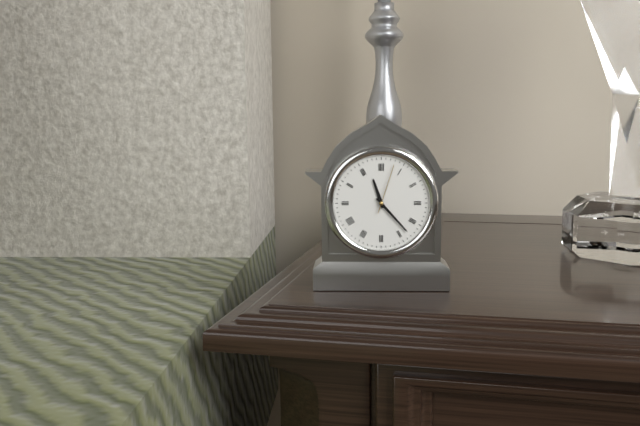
11:23:03
